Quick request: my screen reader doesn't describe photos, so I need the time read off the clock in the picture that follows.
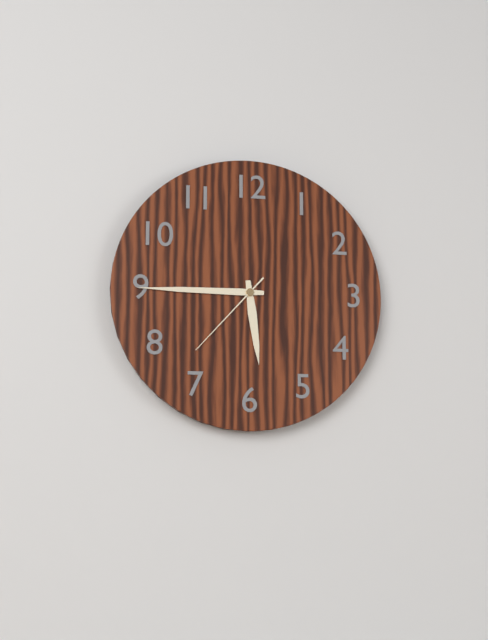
5:45:37
